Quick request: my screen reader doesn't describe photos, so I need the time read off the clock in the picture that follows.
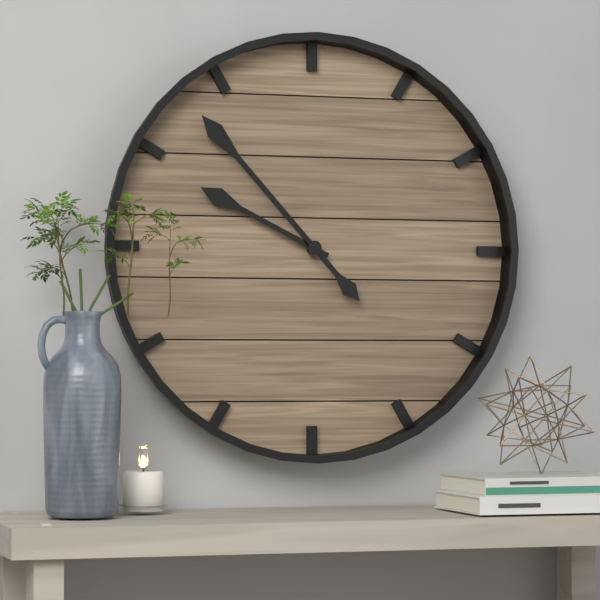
9:53
